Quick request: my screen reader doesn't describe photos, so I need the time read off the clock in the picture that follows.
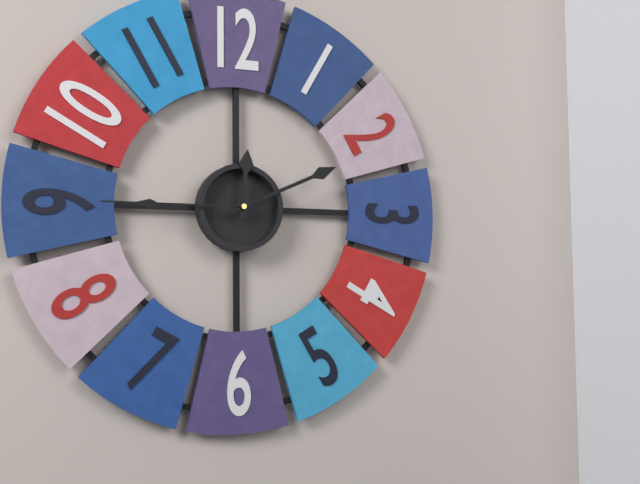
12:11:45
